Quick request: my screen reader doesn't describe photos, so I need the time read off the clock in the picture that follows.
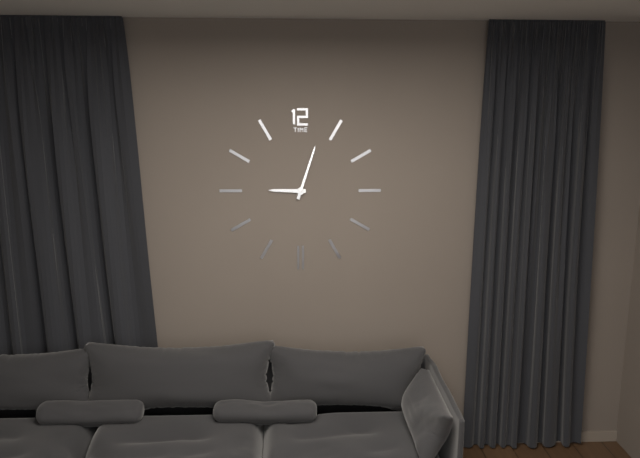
9:03
